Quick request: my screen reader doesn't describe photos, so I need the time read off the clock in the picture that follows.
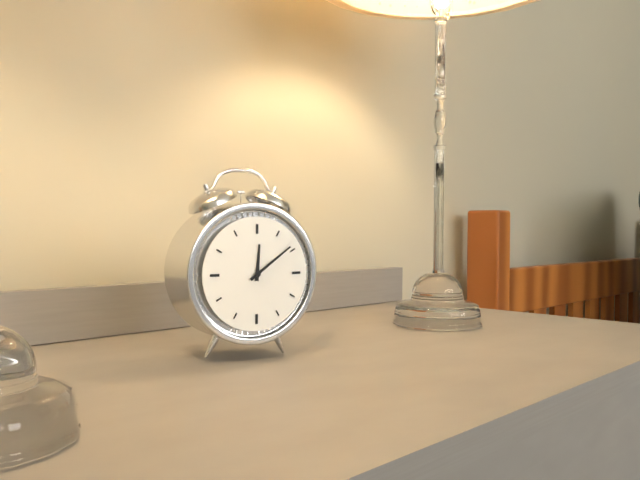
12:09
